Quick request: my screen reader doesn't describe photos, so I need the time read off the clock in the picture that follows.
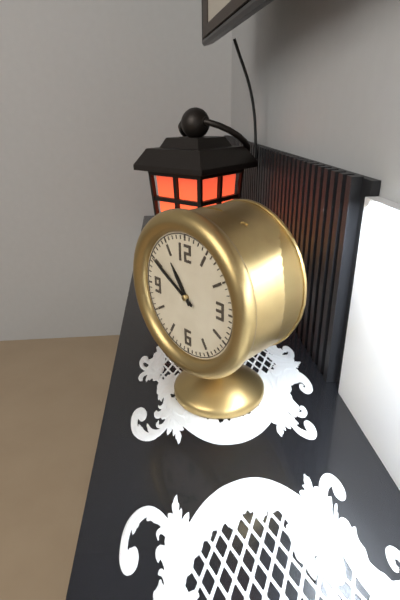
10:50
